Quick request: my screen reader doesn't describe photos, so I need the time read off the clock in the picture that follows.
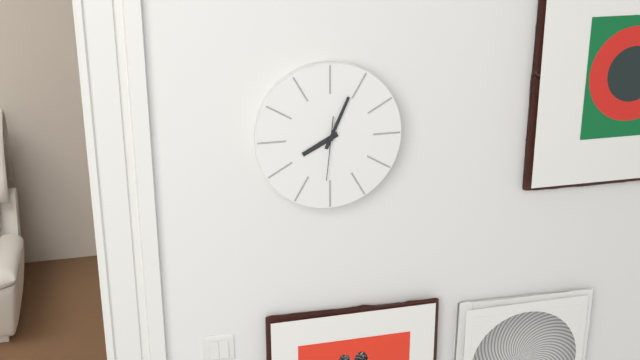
8:04:31
